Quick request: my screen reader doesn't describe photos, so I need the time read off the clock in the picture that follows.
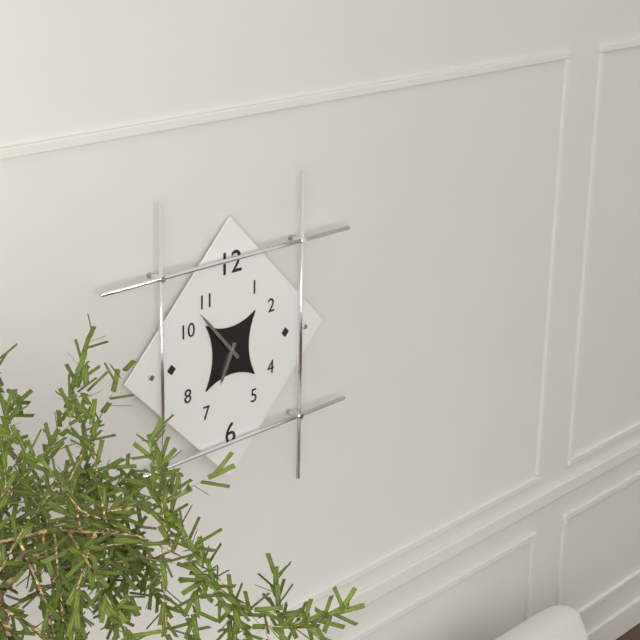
6:53
